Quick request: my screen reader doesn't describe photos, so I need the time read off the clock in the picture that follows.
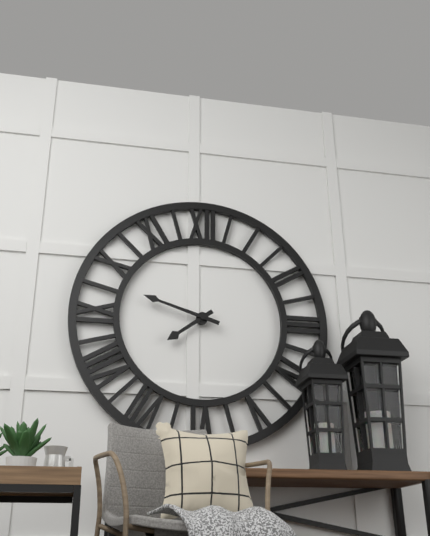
7:48
